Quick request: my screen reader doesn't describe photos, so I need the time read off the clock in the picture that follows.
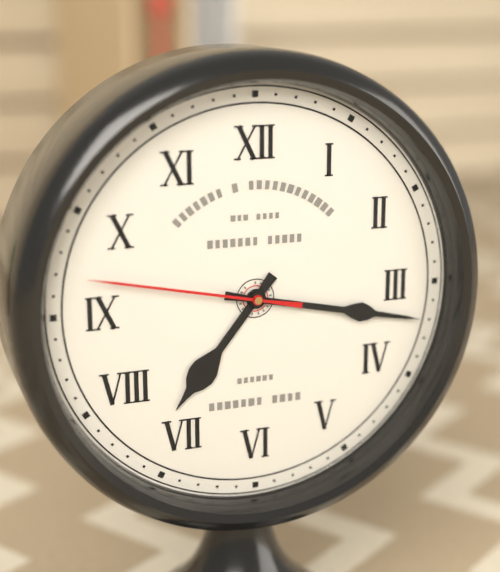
7:17:47
